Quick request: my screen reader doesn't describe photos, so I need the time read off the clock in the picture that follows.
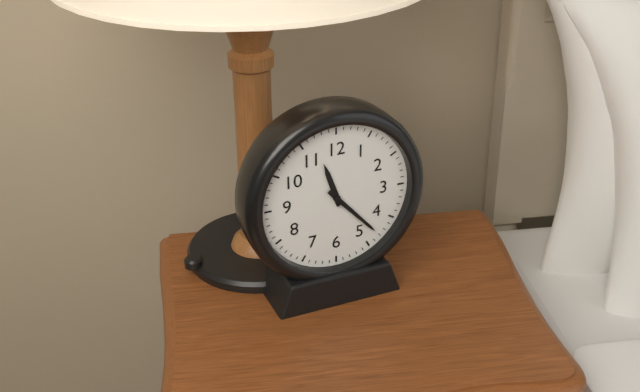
11:23
